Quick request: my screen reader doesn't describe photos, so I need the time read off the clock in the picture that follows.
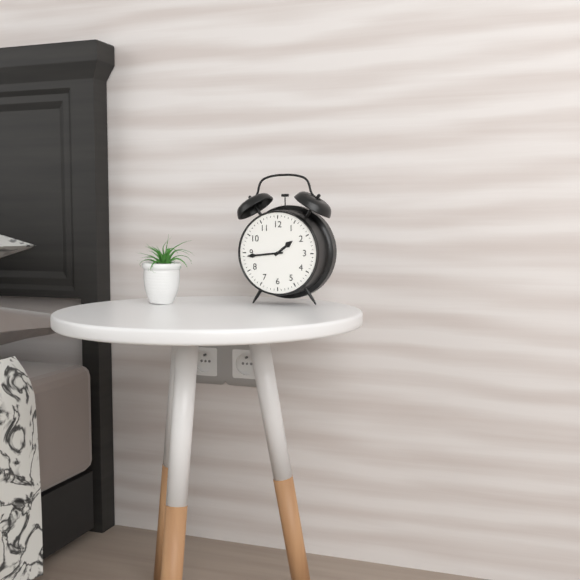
1:44
